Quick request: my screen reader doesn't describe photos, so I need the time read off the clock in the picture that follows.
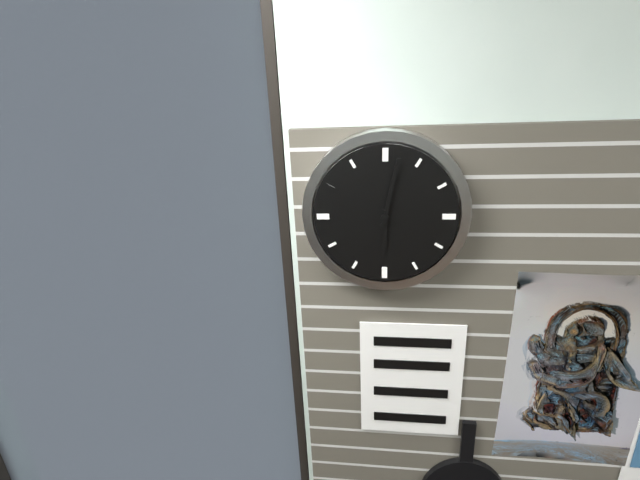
6:02
